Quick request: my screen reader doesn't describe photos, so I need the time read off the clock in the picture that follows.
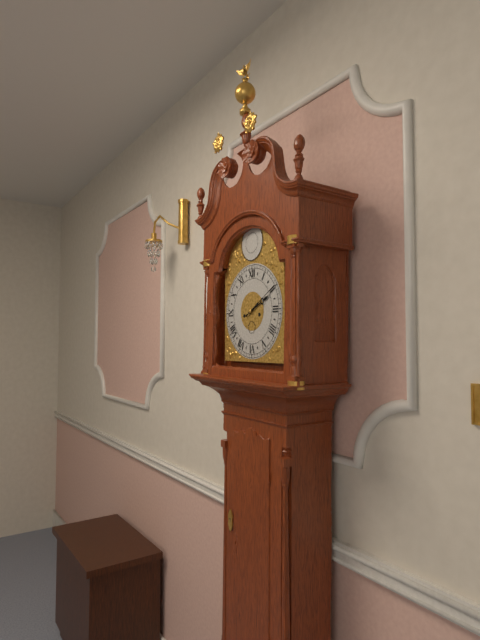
2:10
